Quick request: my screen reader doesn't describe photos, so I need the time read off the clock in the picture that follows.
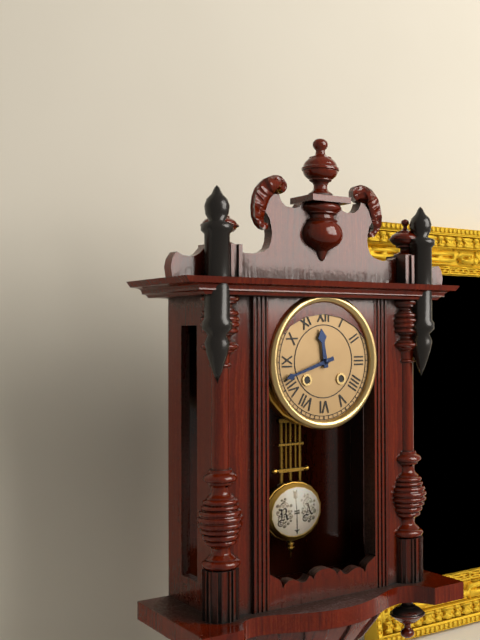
11:42
